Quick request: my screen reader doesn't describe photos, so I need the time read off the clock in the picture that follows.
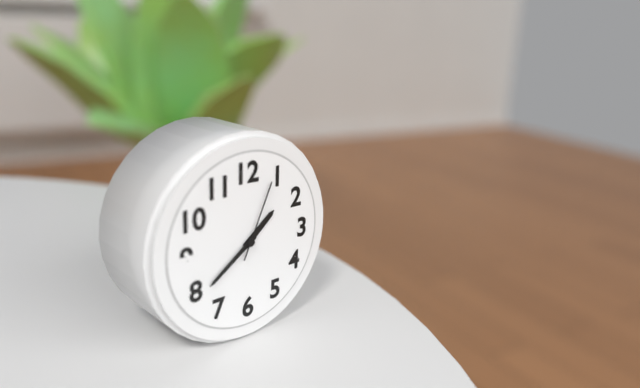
1:39:04
